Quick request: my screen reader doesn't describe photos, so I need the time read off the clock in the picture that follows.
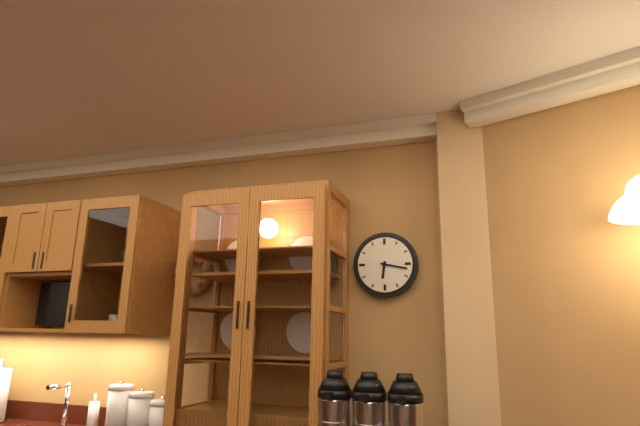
6:17
